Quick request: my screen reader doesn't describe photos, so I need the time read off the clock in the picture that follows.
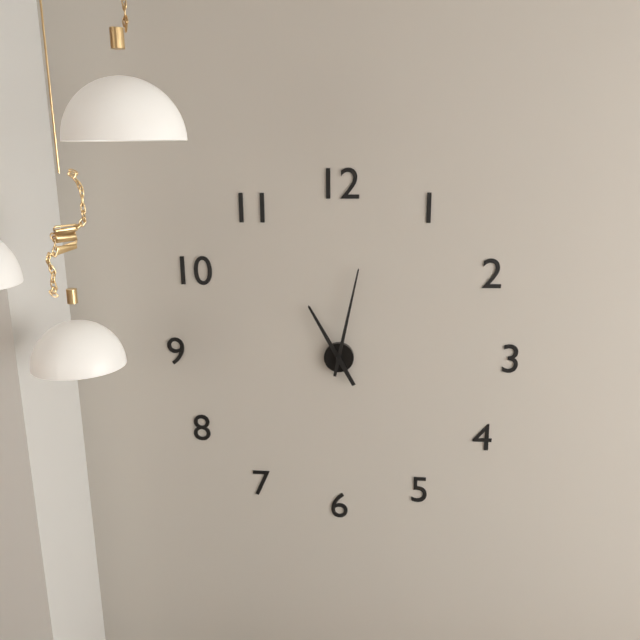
11:02
